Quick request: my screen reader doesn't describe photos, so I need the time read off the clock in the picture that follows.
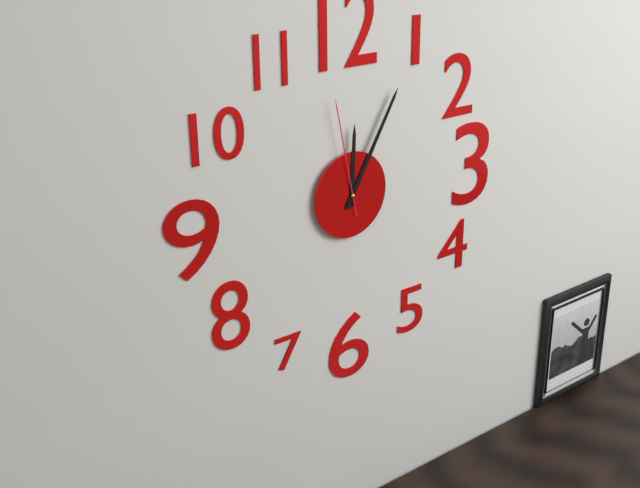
12:05:58
